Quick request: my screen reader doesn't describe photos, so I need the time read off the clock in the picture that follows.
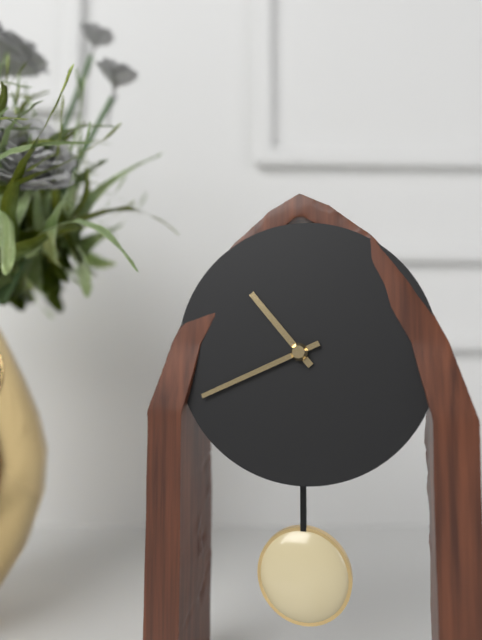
10:41
